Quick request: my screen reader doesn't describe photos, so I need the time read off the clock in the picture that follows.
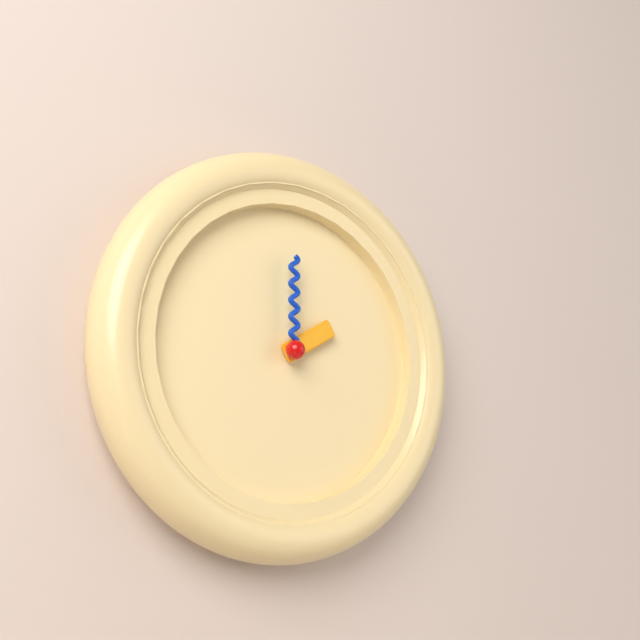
2:00
